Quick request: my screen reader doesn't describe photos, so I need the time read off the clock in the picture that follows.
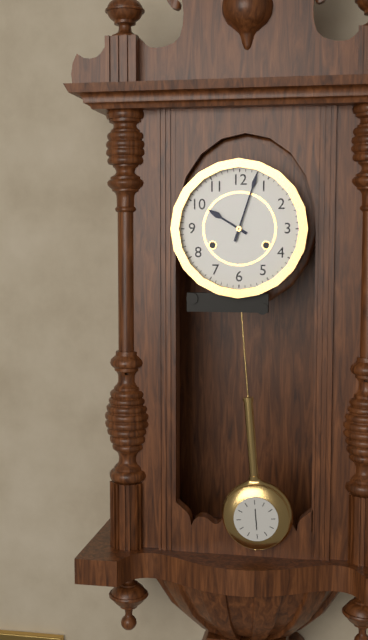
10:03
